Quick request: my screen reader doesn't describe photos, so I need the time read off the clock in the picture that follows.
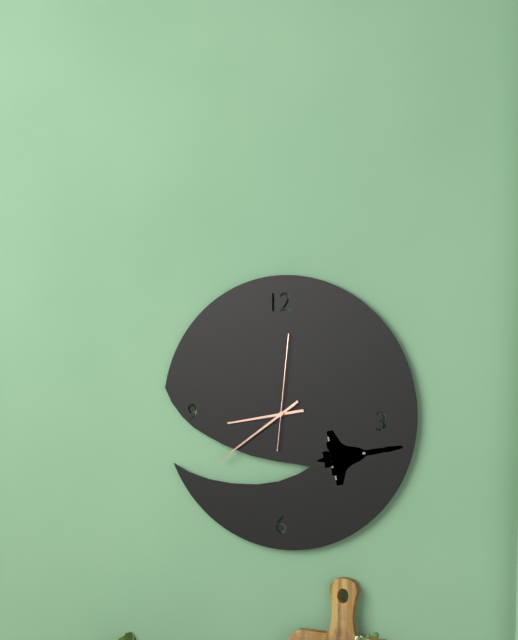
8:39:01
